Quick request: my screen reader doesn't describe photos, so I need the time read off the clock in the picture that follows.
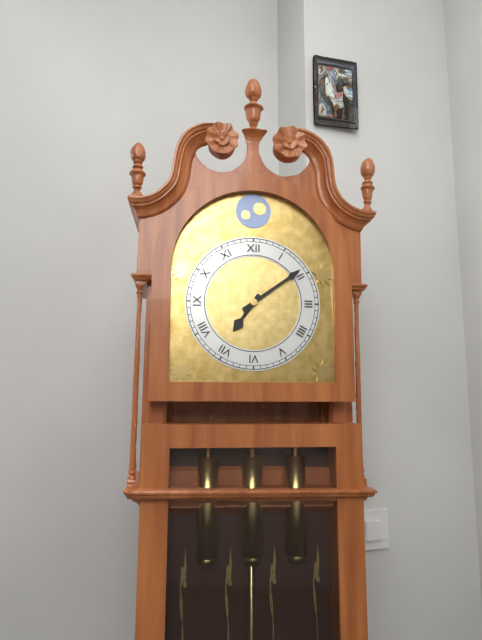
7:09
